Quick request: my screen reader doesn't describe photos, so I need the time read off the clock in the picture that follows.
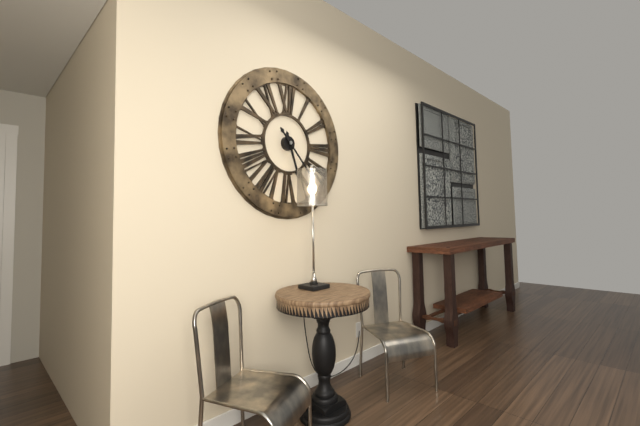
5:23
